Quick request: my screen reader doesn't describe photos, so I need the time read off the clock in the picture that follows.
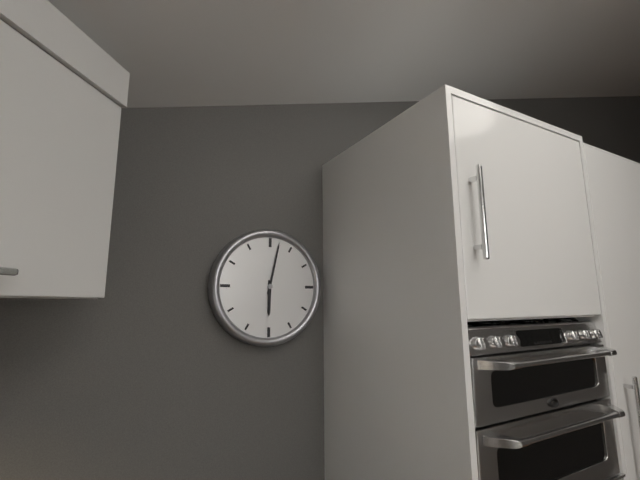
6:02
